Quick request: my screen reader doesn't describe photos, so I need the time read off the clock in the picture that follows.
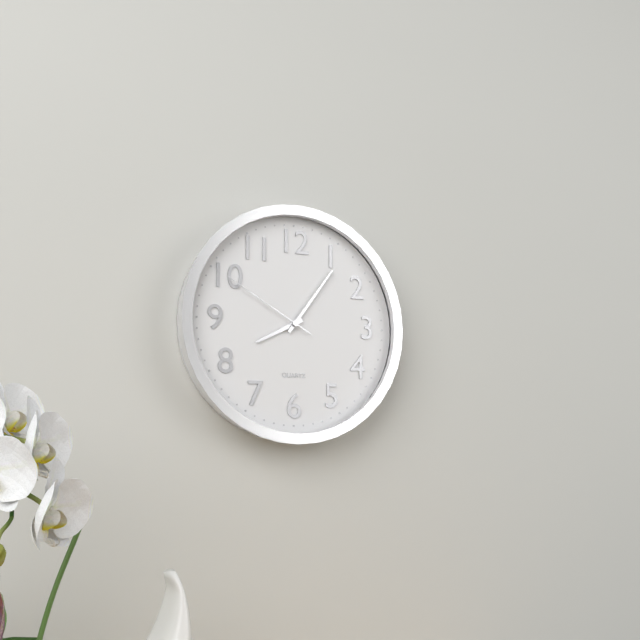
8:06:50
